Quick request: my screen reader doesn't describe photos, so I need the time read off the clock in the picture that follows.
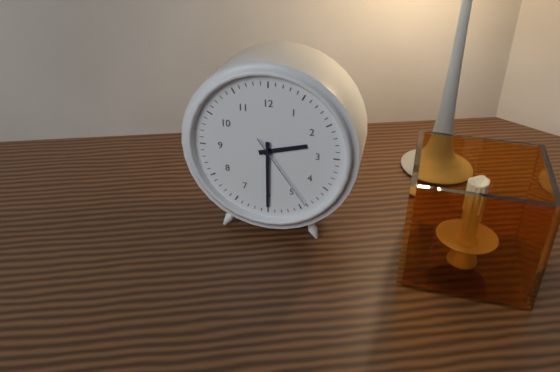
2:30:24
